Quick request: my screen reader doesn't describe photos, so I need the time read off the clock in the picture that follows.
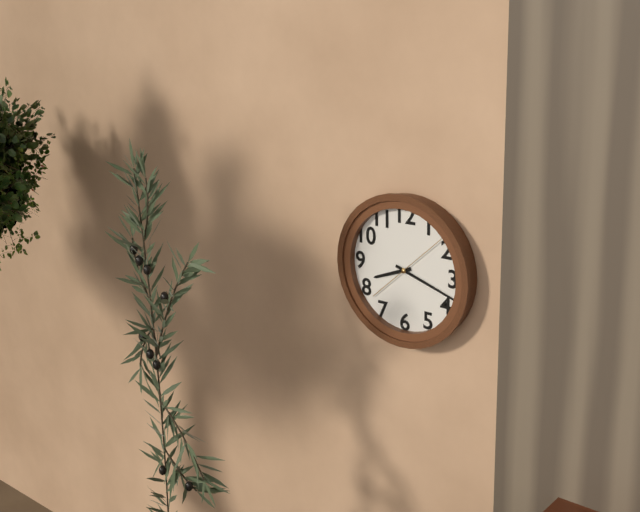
8:18:08
